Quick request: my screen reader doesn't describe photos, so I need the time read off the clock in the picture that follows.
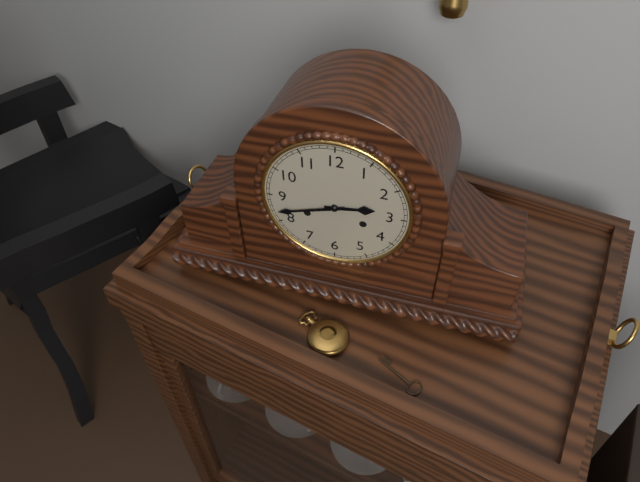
2:42
